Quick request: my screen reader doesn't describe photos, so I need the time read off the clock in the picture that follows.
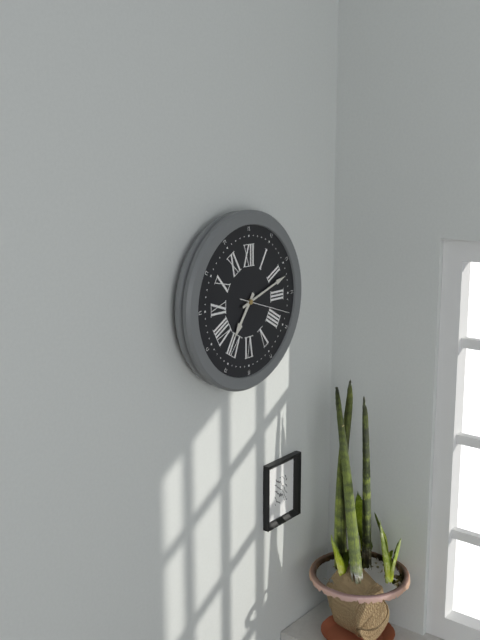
7:12
